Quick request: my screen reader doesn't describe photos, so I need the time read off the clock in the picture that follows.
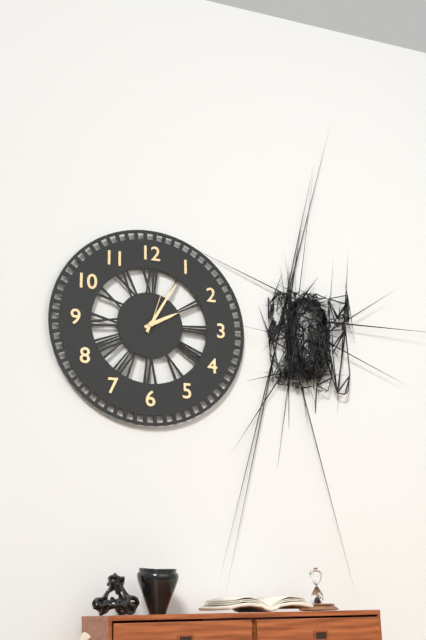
2:05
